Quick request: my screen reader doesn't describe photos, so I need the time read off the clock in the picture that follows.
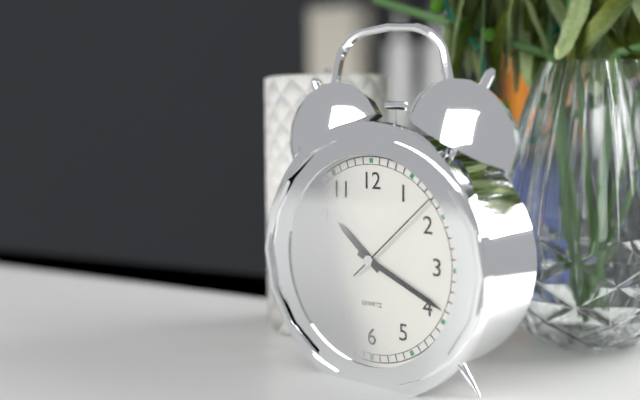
10:19:08
